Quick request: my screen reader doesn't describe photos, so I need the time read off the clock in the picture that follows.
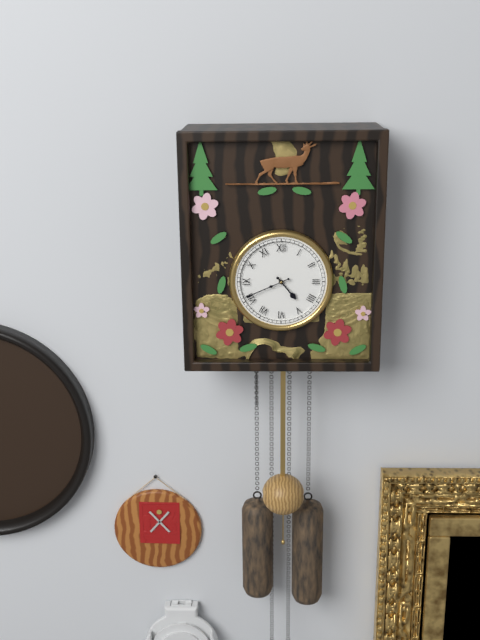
4:41
